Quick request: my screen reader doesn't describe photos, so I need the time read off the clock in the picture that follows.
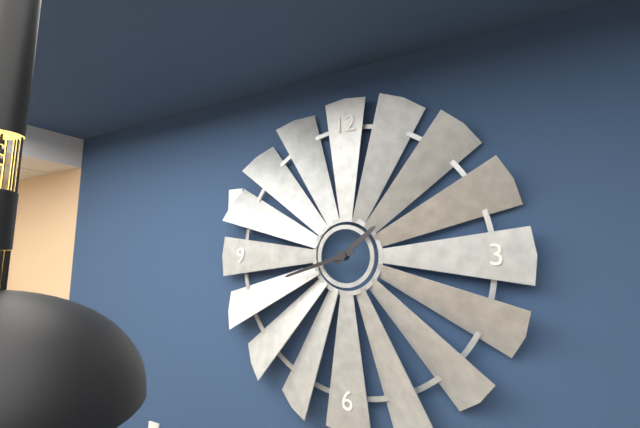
1:42
